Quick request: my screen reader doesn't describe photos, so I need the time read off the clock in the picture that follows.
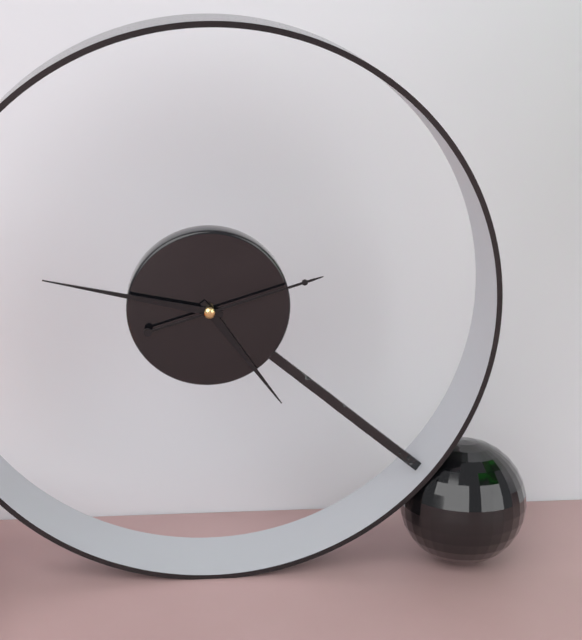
4:47:12
